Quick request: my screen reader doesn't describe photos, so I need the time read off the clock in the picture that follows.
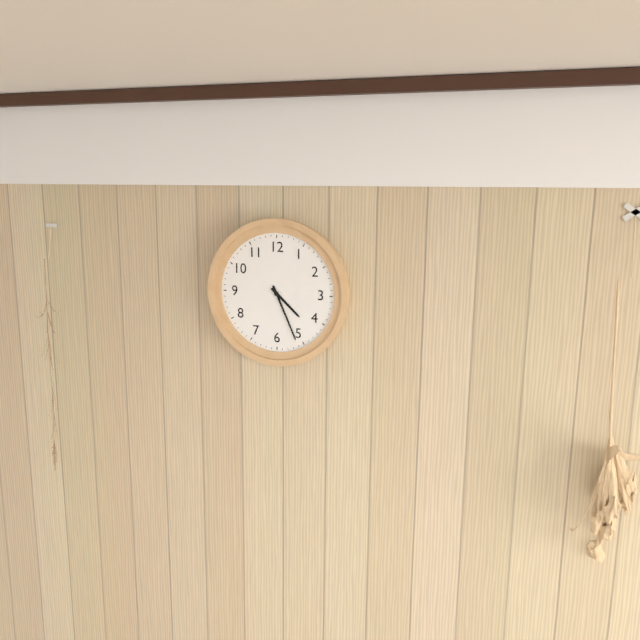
4:26
